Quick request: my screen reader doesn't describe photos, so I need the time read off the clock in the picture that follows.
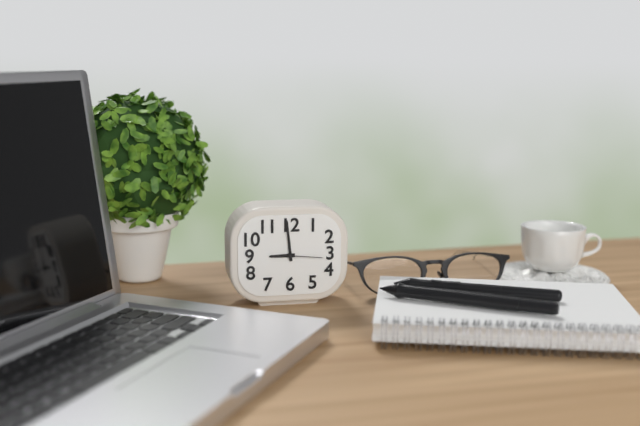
8:59
